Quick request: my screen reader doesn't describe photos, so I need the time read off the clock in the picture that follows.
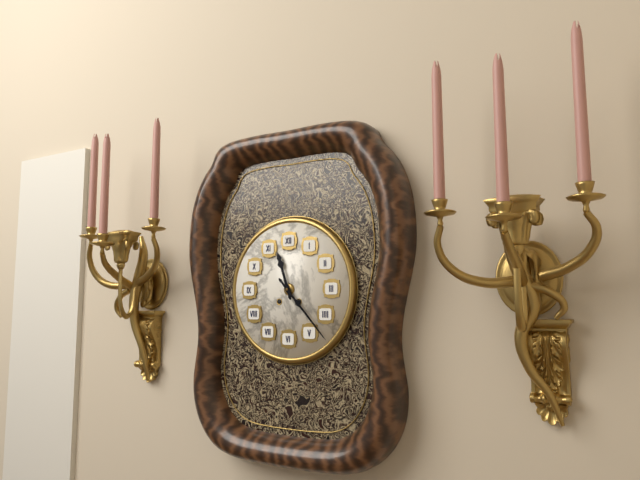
11:23
